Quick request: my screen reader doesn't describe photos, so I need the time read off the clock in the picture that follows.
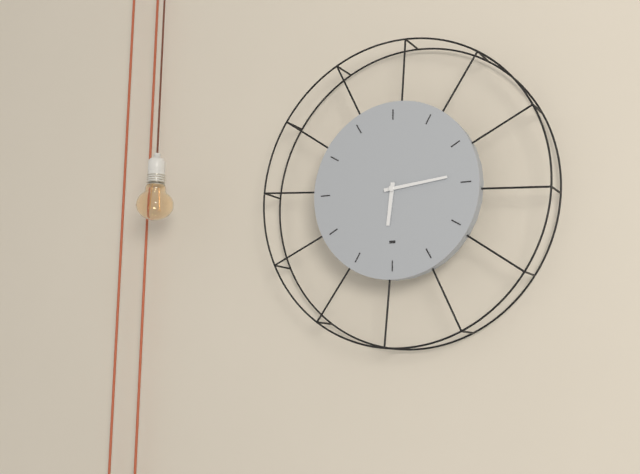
6:14
